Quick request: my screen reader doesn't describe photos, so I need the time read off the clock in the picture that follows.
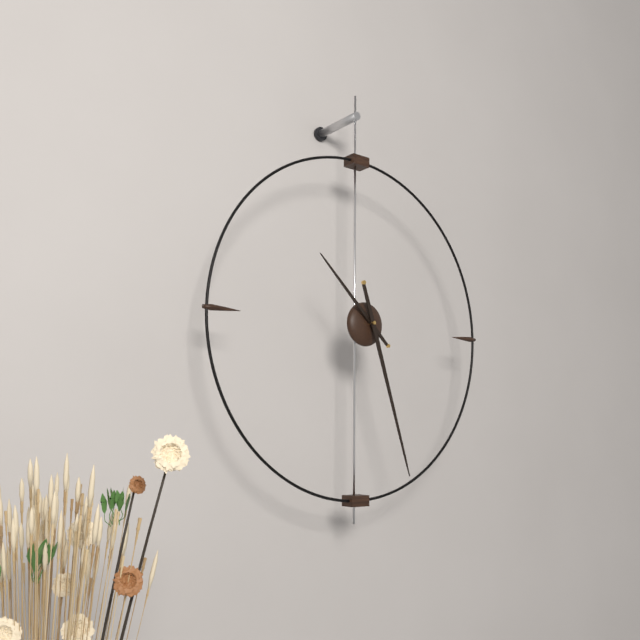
10:27
